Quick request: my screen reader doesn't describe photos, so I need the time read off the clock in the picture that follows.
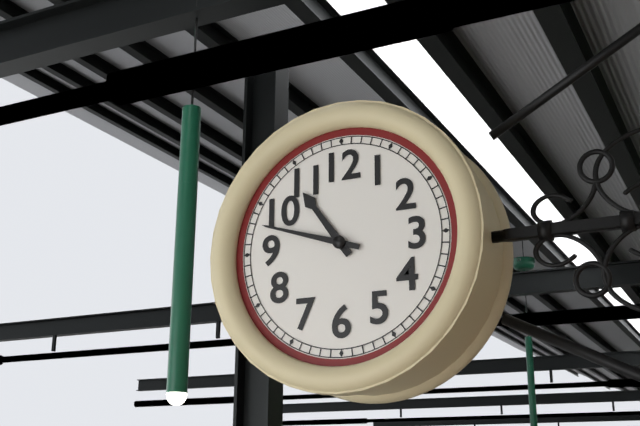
10:48
